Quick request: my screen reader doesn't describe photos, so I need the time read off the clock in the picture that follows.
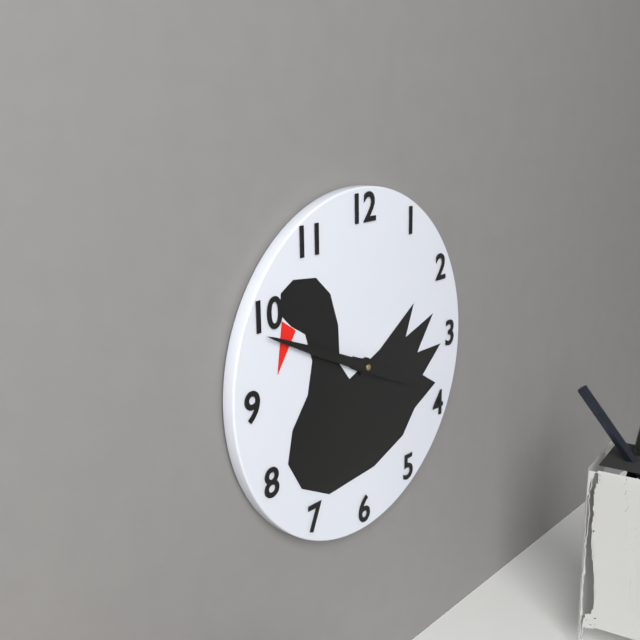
3:49
